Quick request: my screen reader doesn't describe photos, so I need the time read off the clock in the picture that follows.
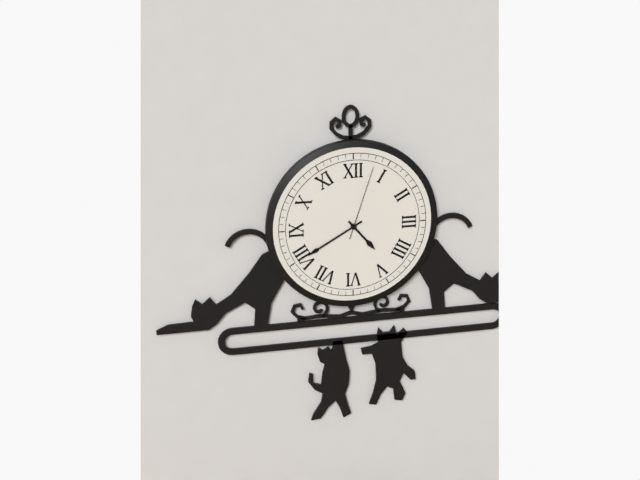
4:40:03
